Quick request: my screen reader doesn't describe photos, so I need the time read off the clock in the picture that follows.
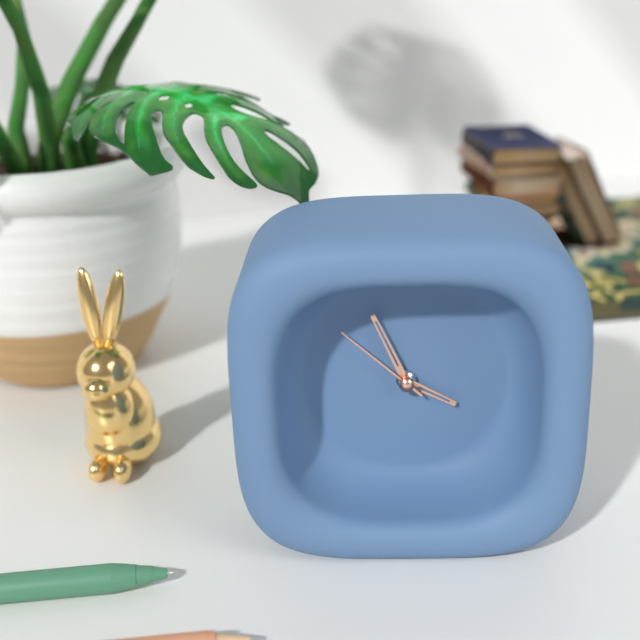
3:56:52
